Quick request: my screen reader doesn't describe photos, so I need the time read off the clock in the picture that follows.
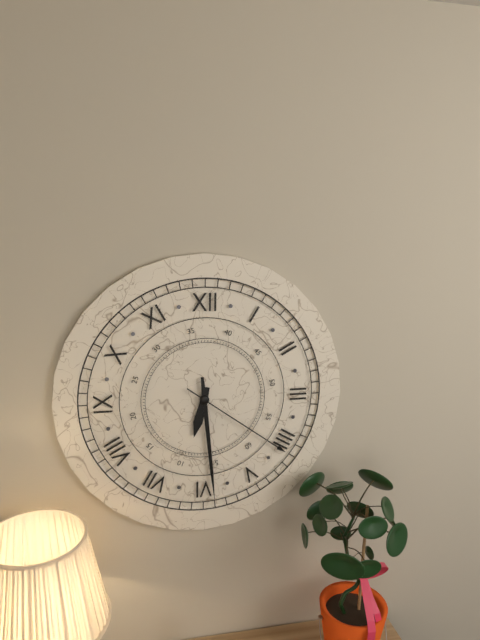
6:29:21
